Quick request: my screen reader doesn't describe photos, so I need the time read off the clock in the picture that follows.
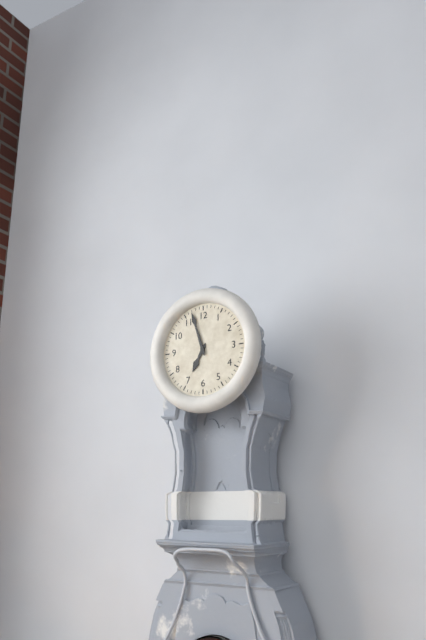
6:57
